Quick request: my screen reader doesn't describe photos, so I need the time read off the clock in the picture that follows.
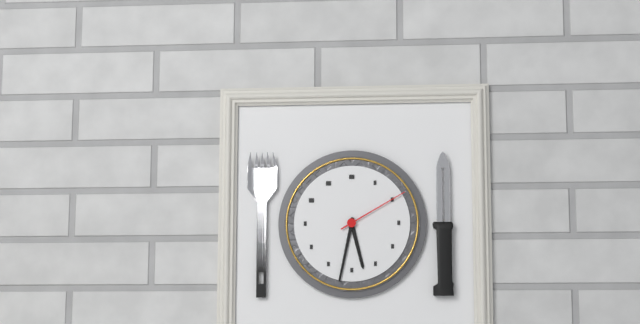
5:32:10
